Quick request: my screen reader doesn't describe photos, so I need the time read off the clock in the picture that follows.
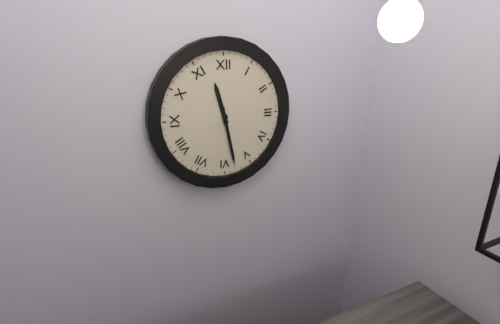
11:28
